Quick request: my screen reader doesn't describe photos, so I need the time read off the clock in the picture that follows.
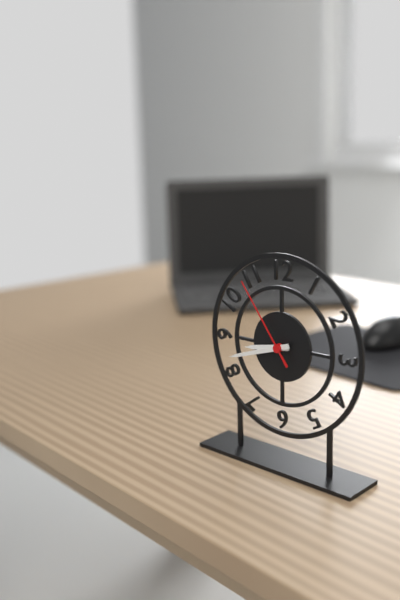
8:42:54
